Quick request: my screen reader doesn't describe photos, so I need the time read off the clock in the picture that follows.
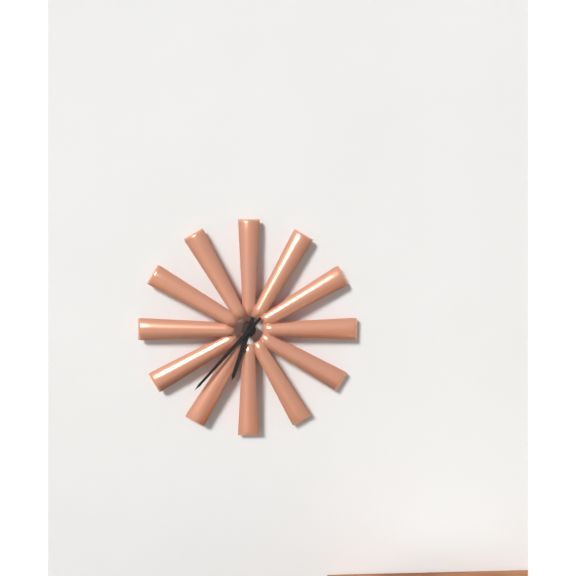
6:37
